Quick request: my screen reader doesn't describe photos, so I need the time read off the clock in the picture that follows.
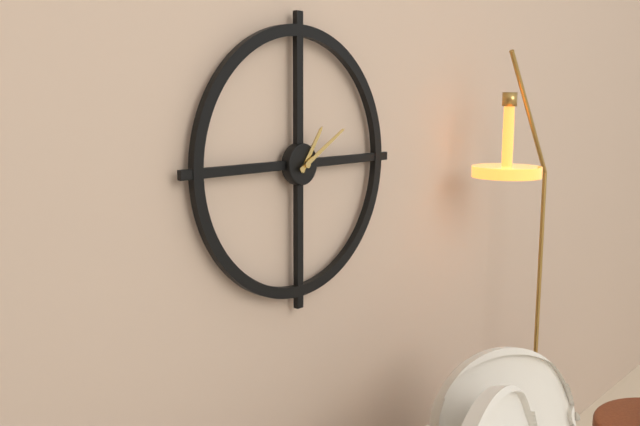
1:10
